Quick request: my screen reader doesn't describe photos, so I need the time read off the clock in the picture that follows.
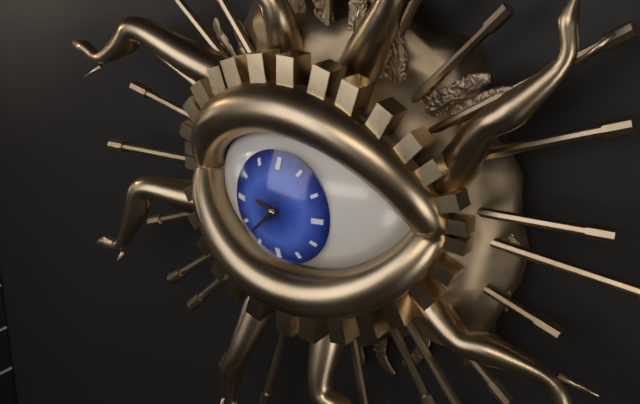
9:37
